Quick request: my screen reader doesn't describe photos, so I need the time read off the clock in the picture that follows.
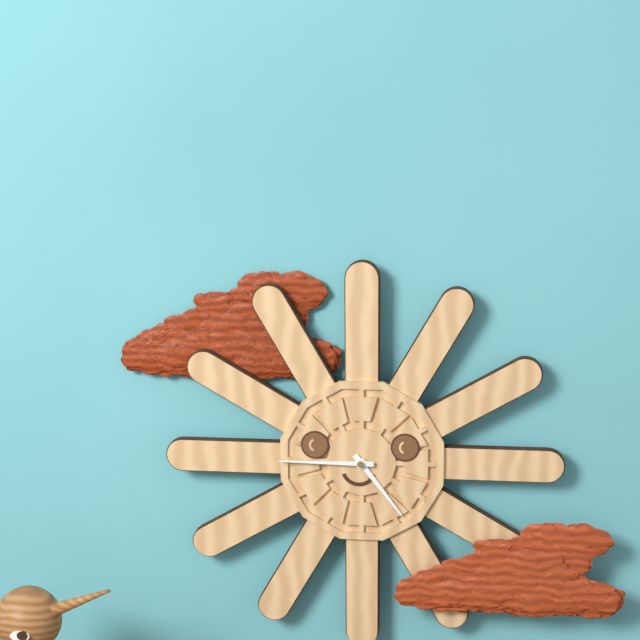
4:45
